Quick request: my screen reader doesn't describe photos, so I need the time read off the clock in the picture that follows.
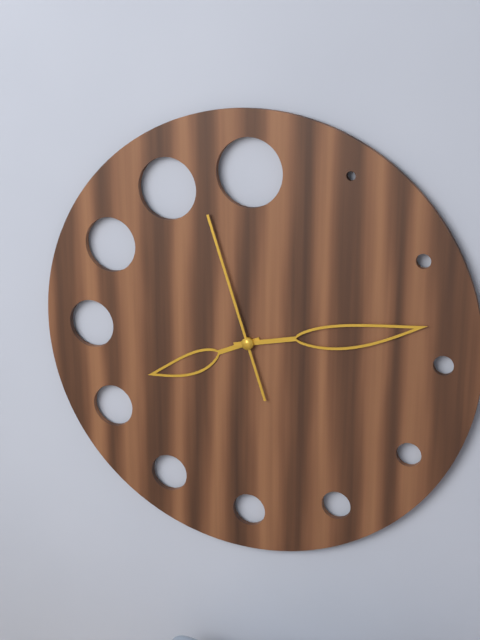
8:13:57
